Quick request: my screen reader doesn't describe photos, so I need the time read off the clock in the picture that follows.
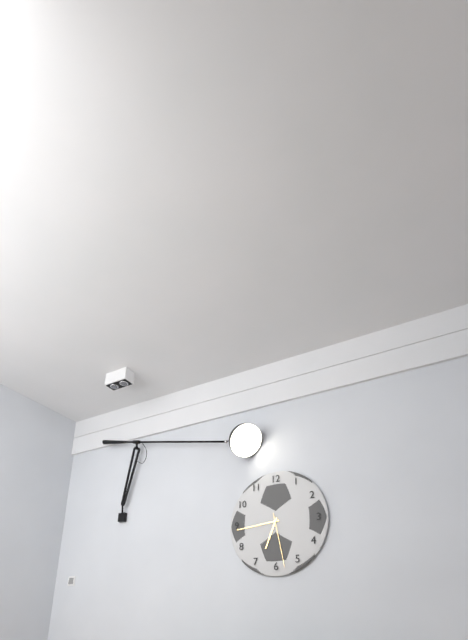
6:44:28
